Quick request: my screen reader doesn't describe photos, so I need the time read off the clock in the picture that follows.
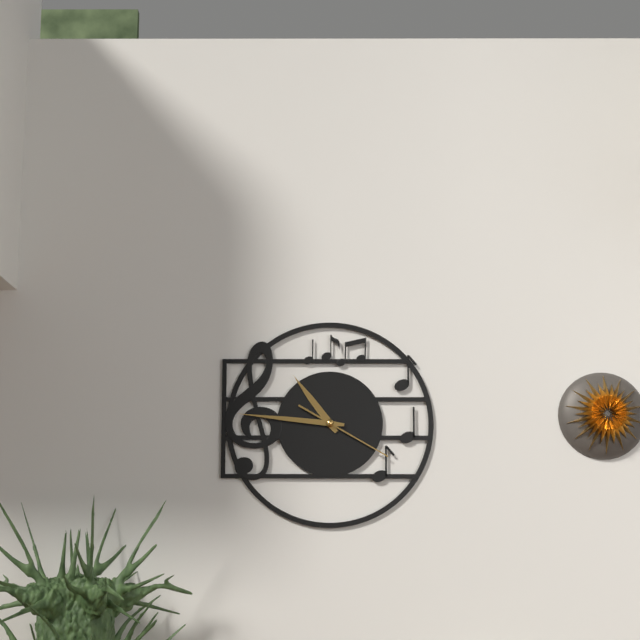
10:46:20
